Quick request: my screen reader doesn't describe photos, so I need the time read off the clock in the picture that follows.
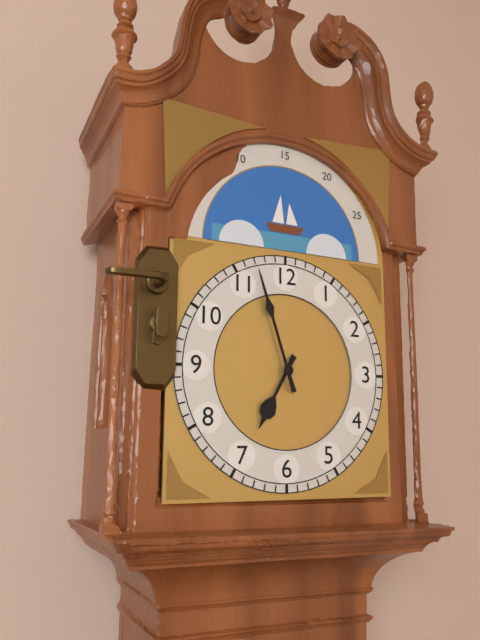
6:57
